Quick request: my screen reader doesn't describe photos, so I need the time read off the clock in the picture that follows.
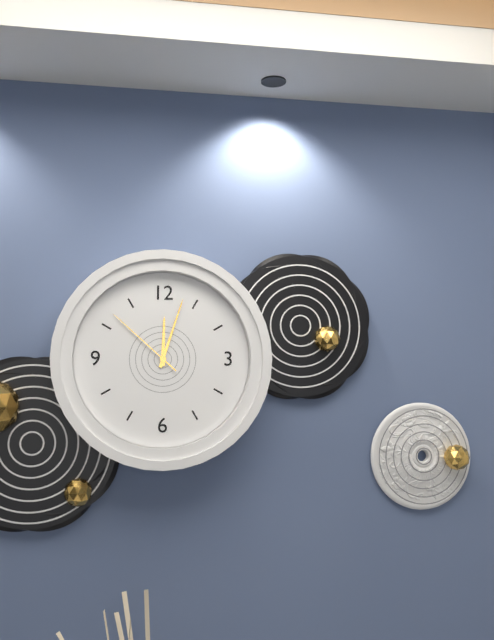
12:03:52
